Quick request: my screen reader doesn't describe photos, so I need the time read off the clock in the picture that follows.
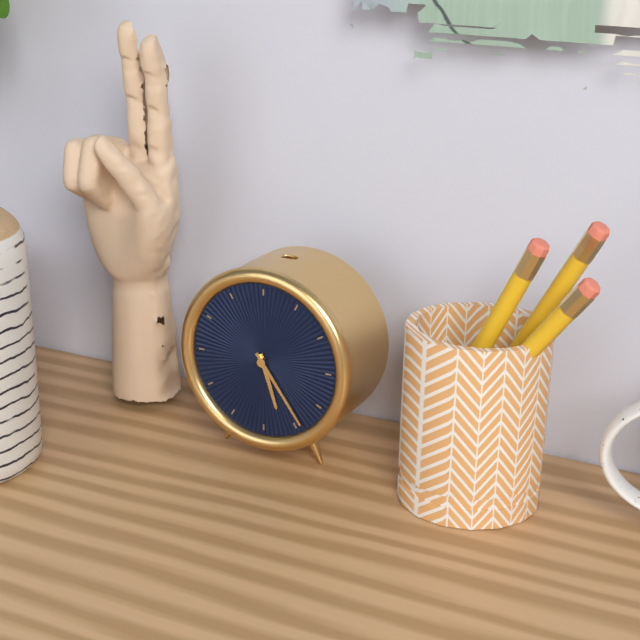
5:24
